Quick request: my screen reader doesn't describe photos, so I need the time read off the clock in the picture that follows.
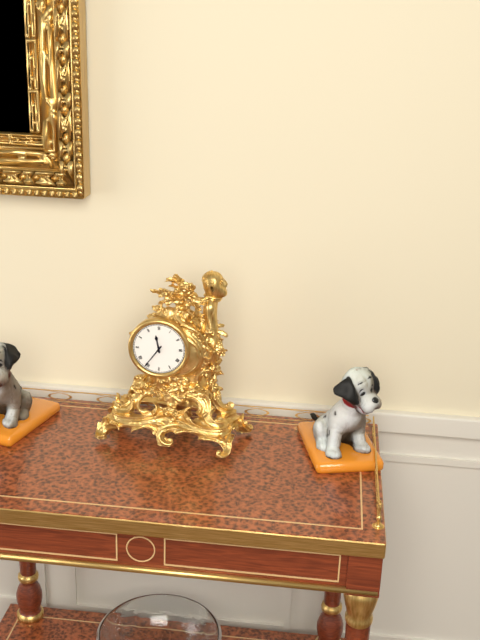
11:36
